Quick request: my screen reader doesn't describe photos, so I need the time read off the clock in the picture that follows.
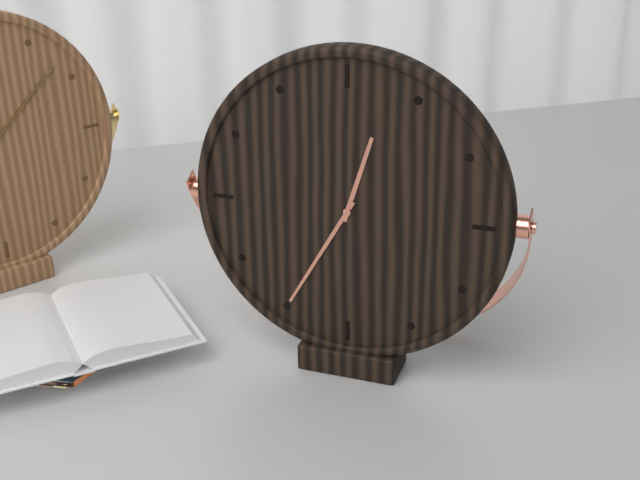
12:35
